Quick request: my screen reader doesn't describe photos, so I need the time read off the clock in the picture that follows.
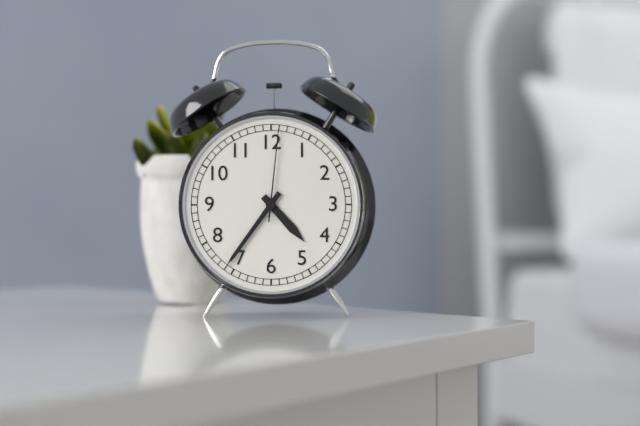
4:36:01
